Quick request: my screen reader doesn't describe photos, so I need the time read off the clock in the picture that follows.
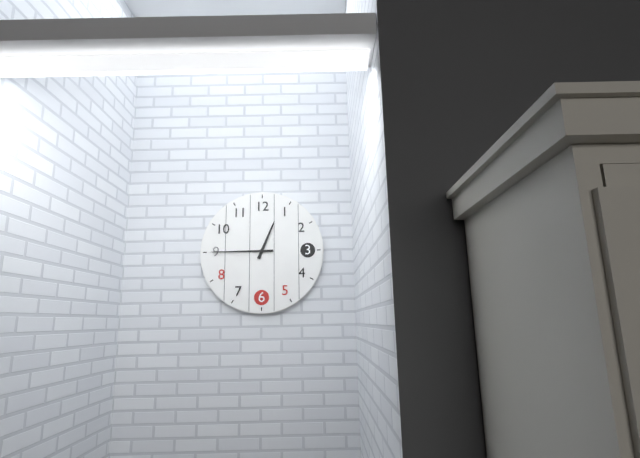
12:45
